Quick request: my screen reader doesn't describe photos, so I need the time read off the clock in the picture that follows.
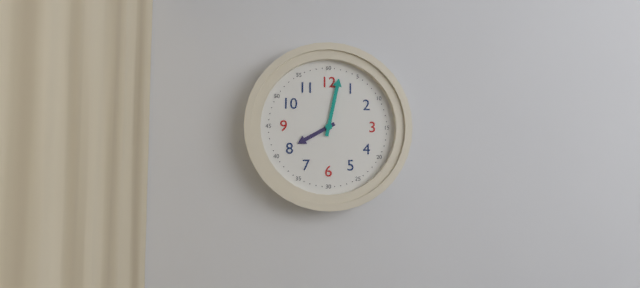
8:02
